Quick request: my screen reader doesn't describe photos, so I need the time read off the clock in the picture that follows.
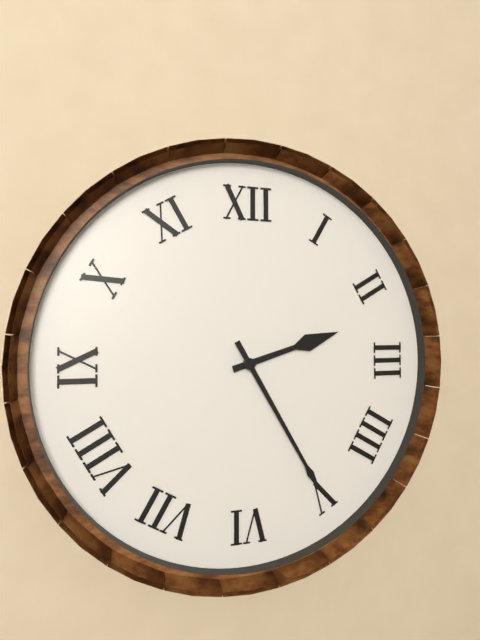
2:25
